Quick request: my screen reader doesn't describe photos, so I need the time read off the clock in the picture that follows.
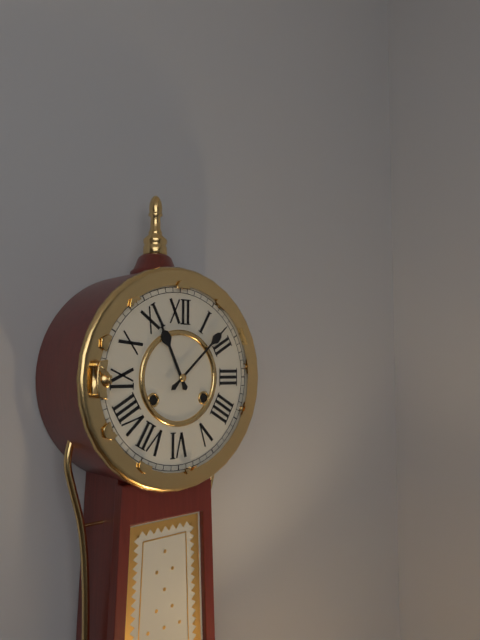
11:08
